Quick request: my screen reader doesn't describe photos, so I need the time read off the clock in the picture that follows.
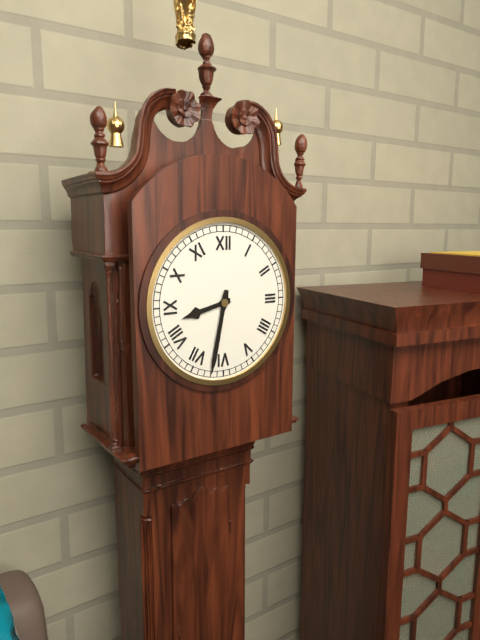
8:32
